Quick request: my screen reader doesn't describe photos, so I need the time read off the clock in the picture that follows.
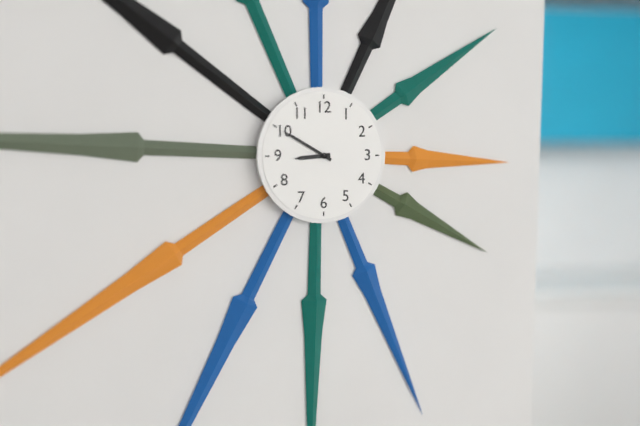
8:50
